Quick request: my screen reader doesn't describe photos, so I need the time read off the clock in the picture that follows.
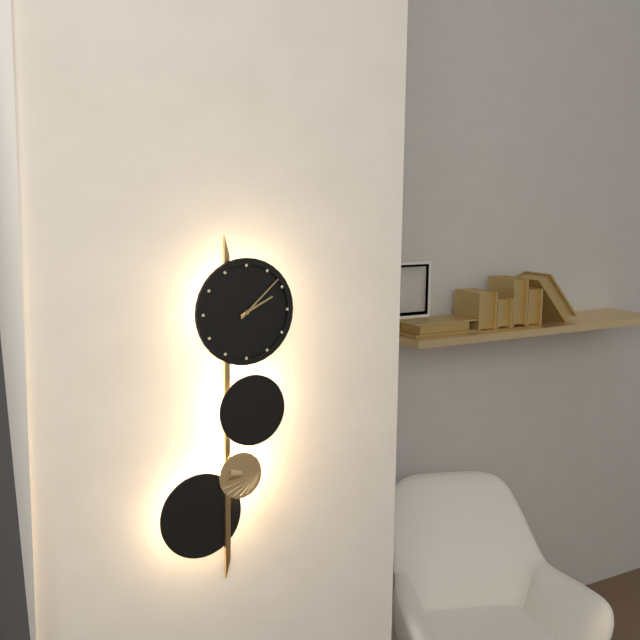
2:08
